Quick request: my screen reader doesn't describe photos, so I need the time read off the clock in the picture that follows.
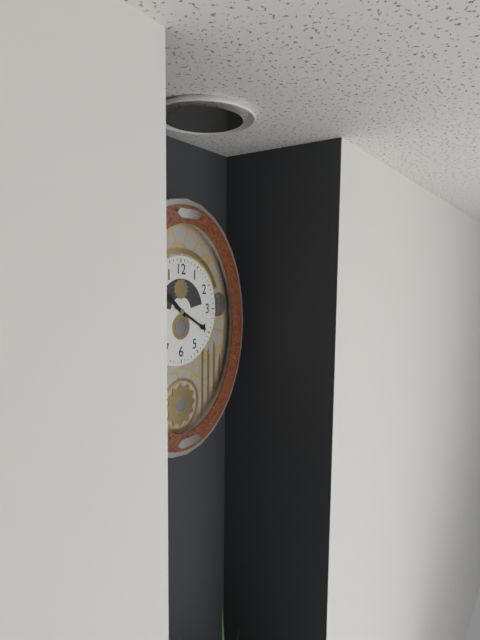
10:20
